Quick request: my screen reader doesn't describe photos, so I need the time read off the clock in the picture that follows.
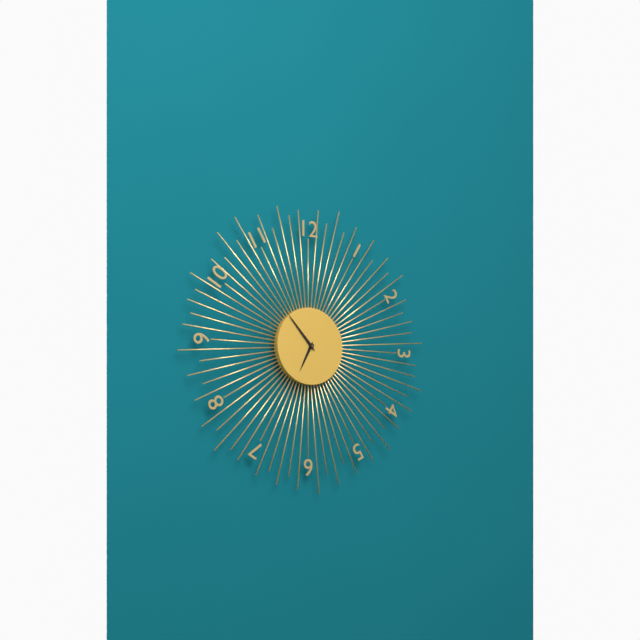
6:53
